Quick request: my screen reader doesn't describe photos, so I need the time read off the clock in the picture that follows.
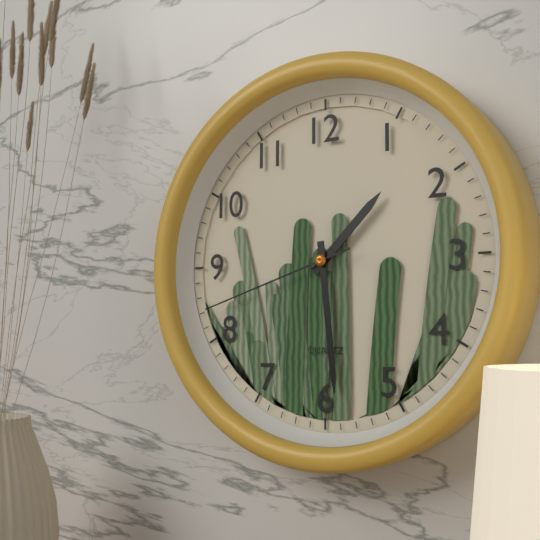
1:29:42
